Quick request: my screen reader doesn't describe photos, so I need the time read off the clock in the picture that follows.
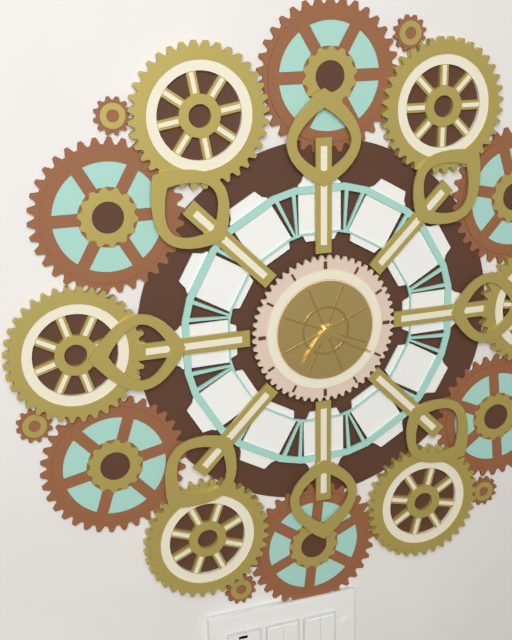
7:20
